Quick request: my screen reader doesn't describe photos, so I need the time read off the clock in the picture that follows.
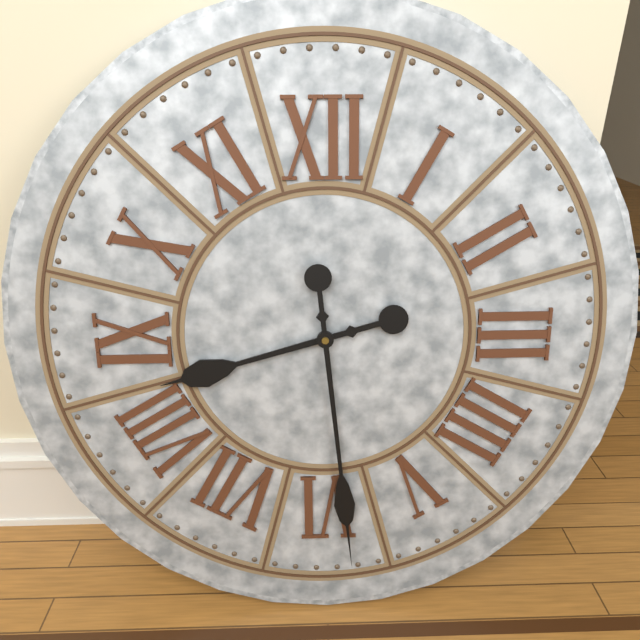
8:29
